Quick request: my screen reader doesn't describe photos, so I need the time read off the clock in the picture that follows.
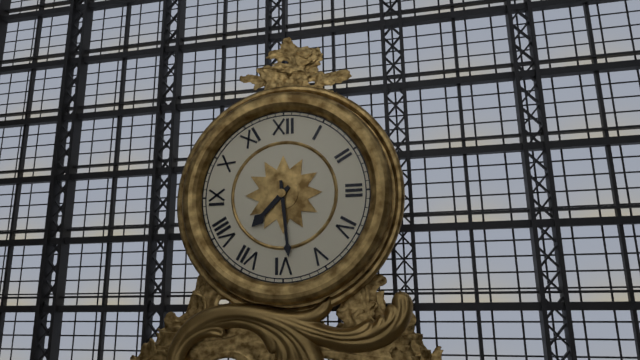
7:29
